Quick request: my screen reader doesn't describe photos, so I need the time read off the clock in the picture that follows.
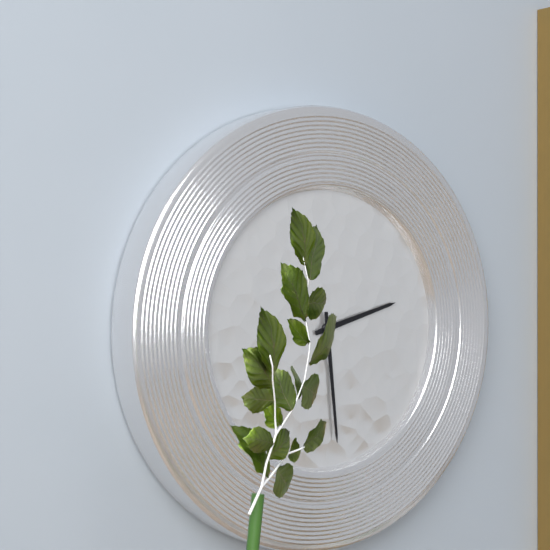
2:29
